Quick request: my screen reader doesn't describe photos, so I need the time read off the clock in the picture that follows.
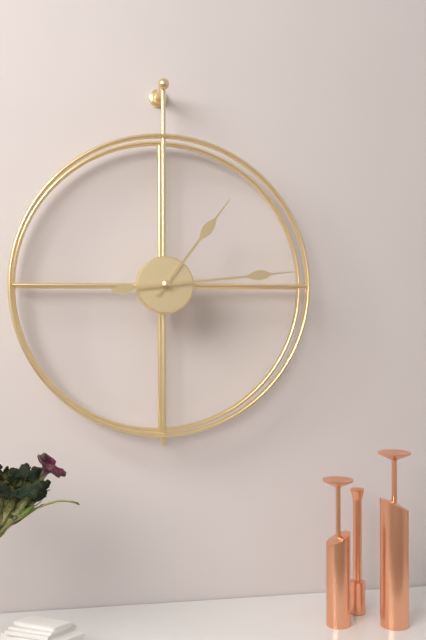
1:14
